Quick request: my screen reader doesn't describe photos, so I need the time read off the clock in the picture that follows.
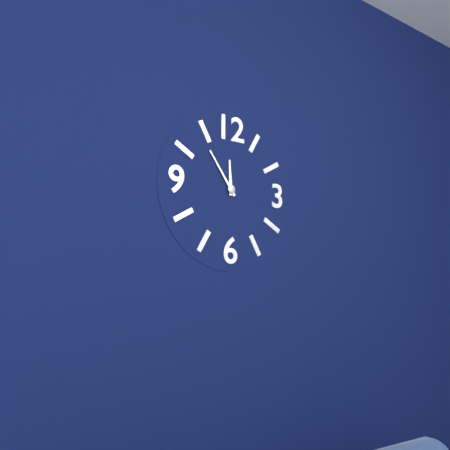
11:54
